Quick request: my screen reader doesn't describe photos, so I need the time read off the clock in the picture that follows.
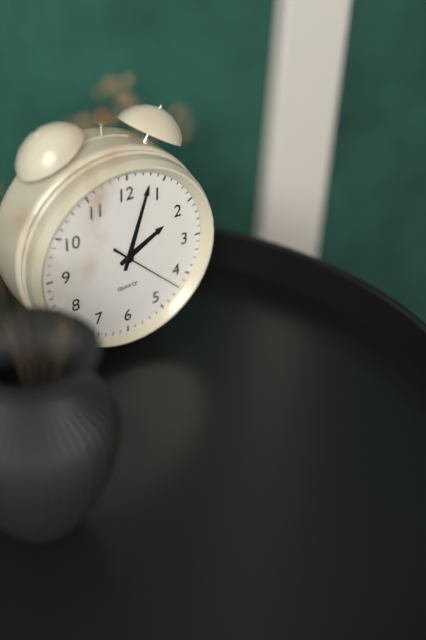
2:03:22
